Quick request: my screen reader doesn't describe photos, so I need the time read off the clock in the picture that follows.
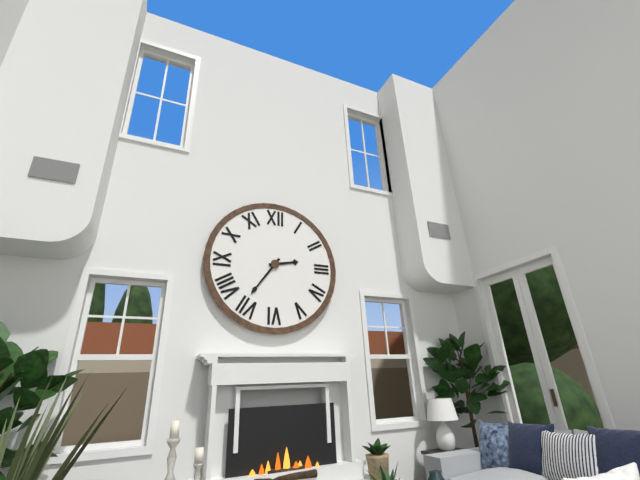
2:36
